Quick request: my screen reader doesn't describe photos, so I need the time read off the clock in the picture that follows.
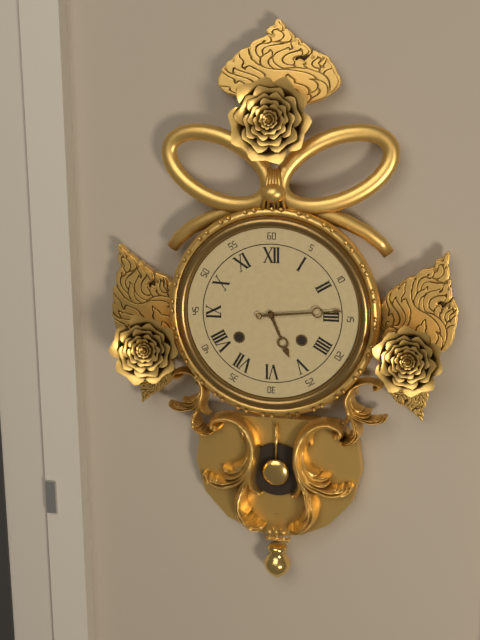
5:14
